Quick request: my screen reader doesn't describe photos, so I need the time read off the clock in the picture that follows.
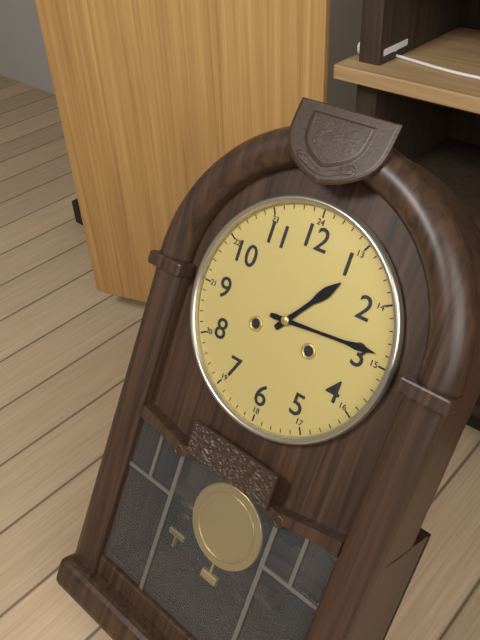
1:14
